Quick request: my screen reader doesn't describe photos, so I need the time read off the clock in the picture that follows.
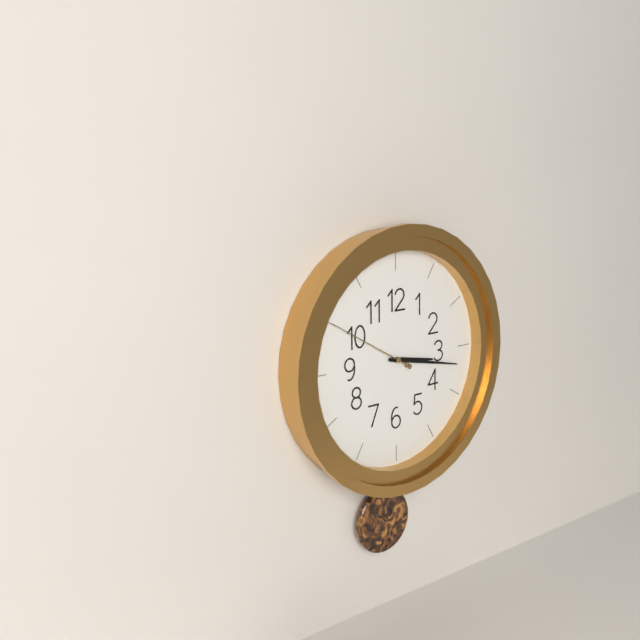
3:17:50
